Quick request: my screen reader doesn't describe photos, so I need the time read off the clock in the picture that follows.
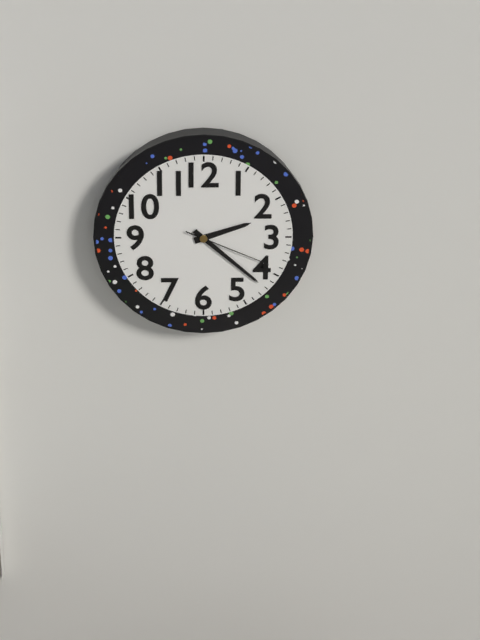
2:22:19
